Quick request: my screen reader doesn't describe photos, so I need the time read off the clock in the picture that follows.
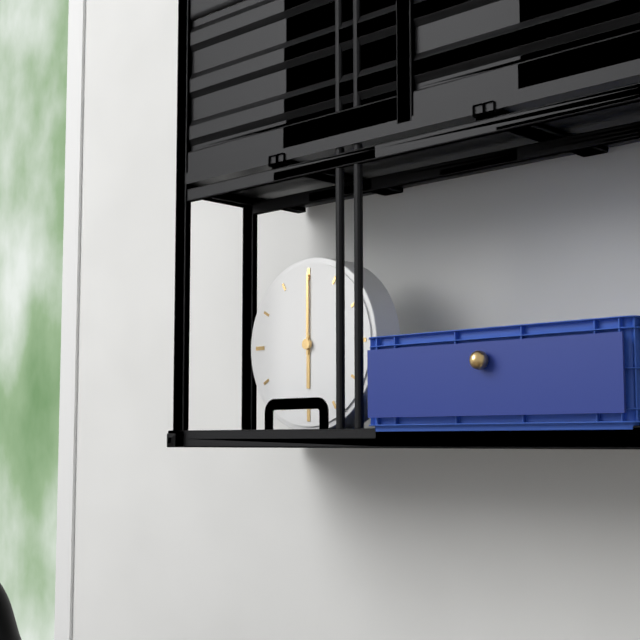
6:00
